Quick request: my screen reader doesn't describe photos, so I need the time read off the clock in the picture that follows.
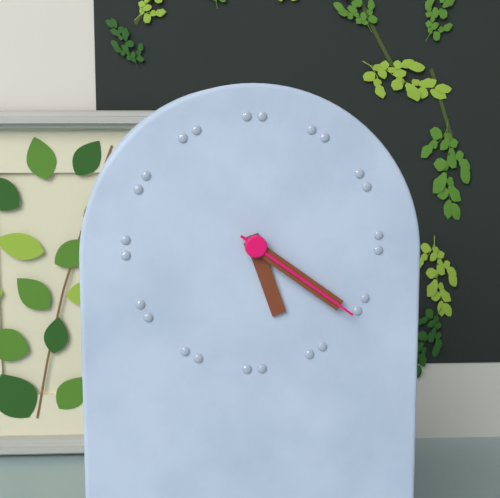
5:21:21
